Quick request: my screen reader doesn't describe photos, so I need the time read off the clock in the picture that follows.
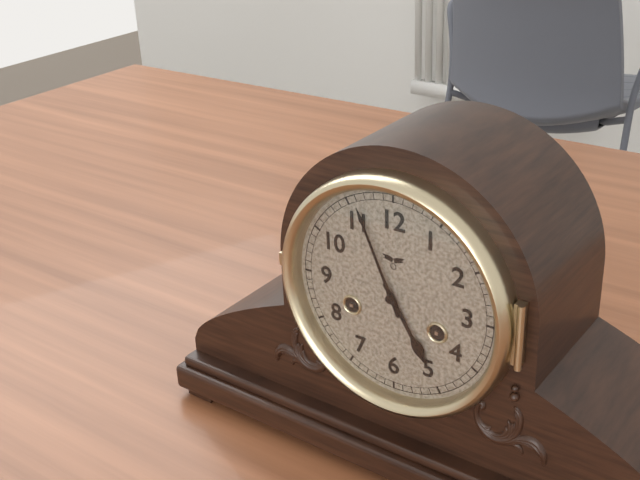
4:56
